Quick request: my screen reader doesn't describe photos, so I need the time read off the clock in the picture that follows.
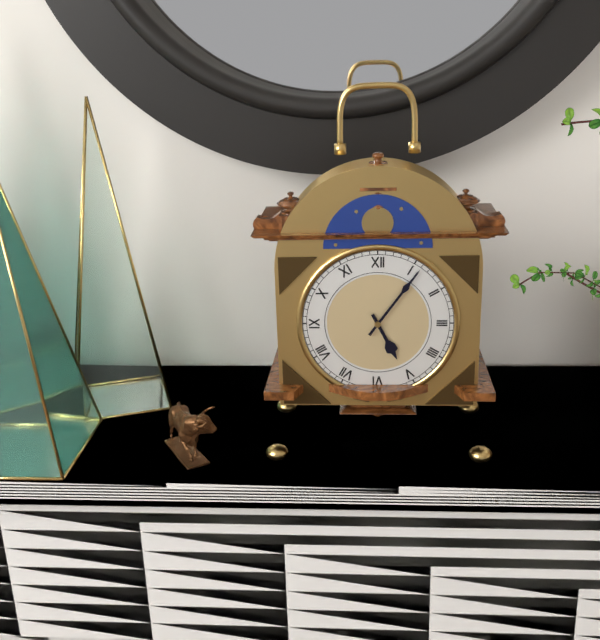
5:06
